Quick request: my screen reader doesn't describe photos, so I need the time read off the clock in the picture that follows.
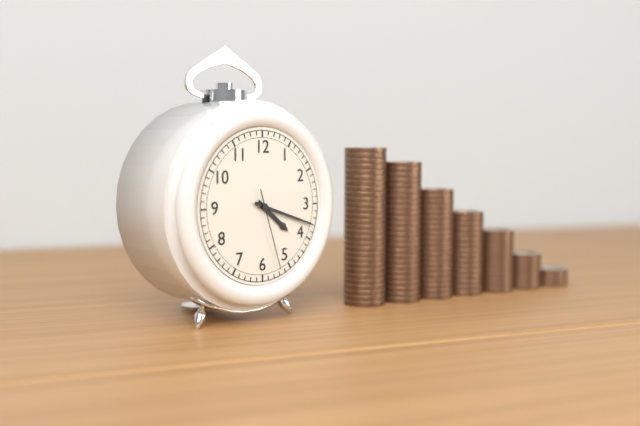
4:18:27
